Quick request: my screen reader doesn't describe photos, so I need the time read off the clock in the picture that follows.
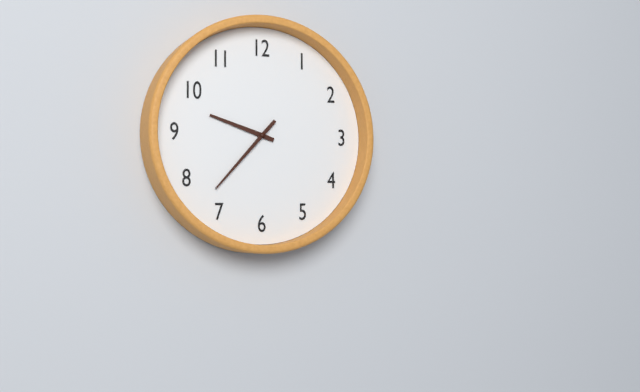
9:37
